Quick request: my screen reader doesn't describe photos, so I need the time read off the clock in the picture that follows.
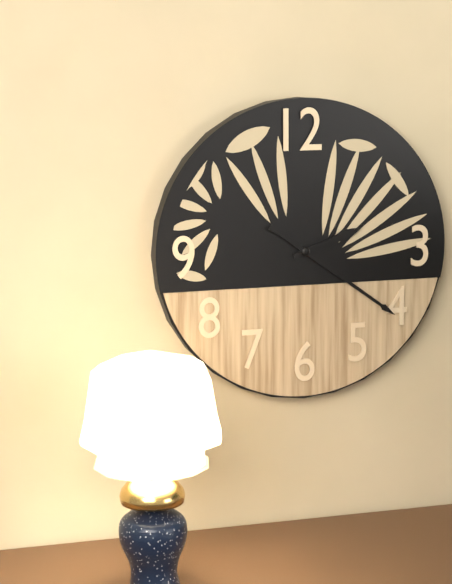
2:21
